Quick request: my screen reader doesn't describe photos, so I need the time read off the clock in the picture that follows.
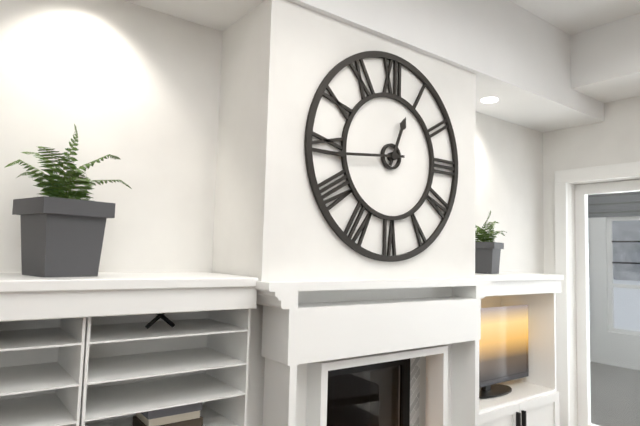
12:44
